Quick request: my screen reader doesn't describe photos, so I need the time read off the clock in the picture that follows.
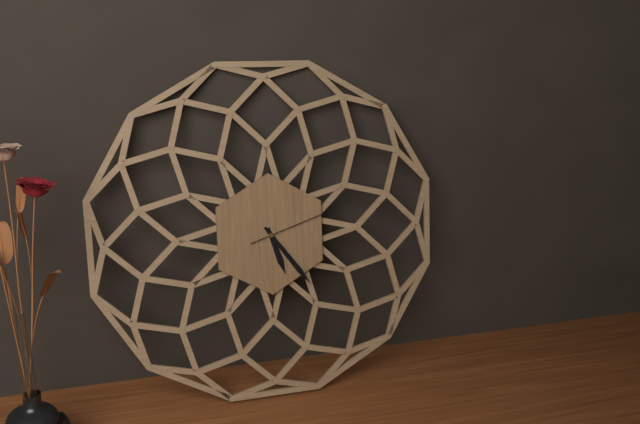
5:24:12
